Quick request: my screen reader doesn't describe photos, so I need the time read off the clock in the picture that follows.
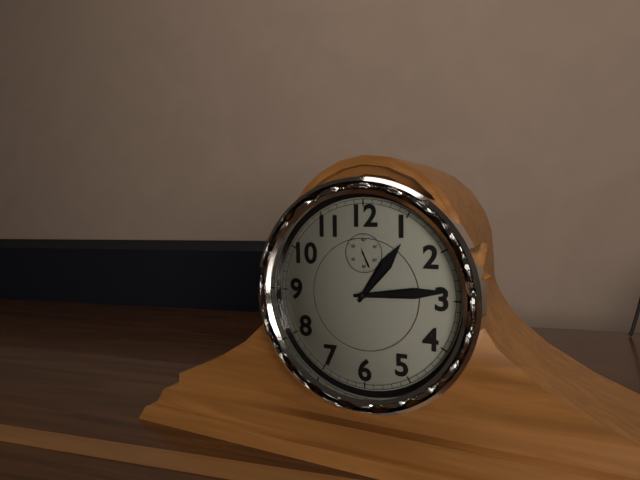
1:14
